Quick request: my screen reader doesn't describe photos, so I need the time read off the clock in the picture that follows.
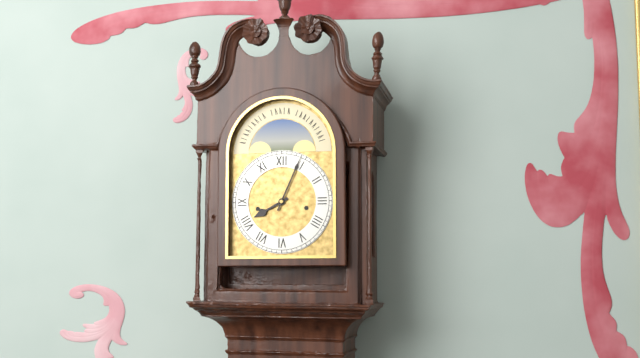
8:04
